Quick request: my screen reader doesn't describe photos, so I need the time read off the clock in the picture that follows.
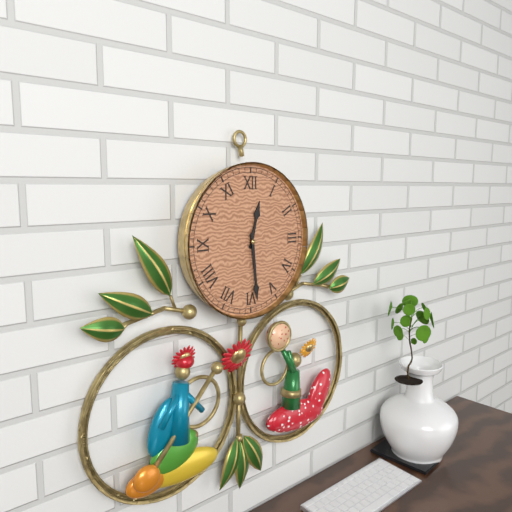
12:29
